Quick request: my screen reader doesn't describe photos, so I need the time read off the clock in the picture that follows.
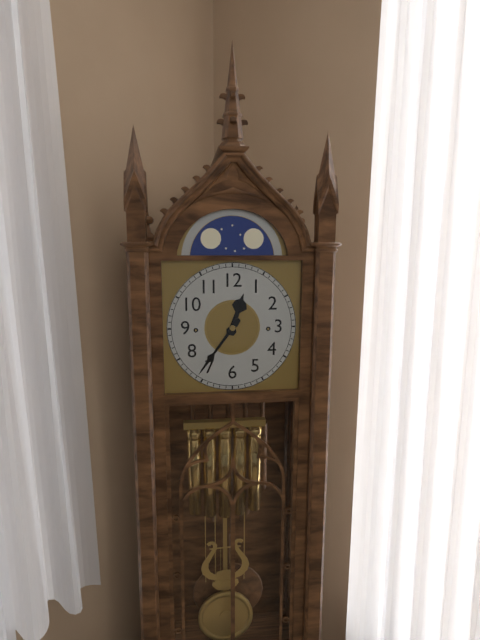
12:36
